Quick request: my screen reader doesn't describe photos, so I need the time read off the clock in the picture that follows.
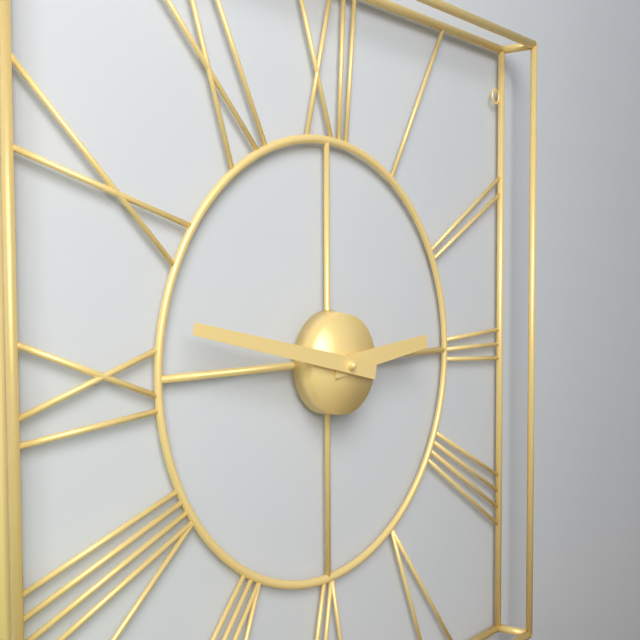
2:47
